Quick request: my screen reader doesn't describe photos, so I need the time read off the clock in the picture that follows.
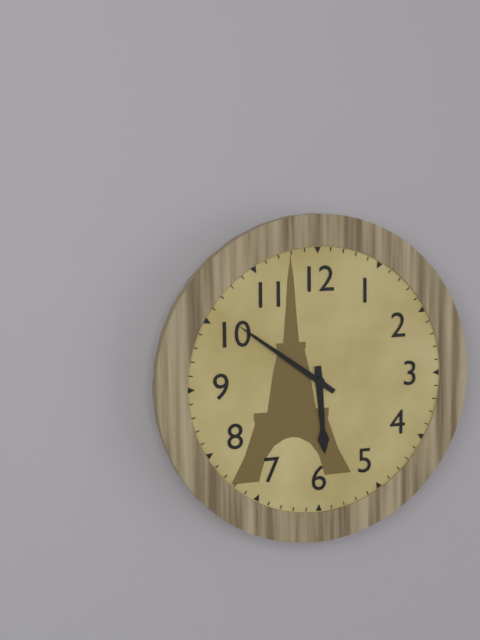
5:51
